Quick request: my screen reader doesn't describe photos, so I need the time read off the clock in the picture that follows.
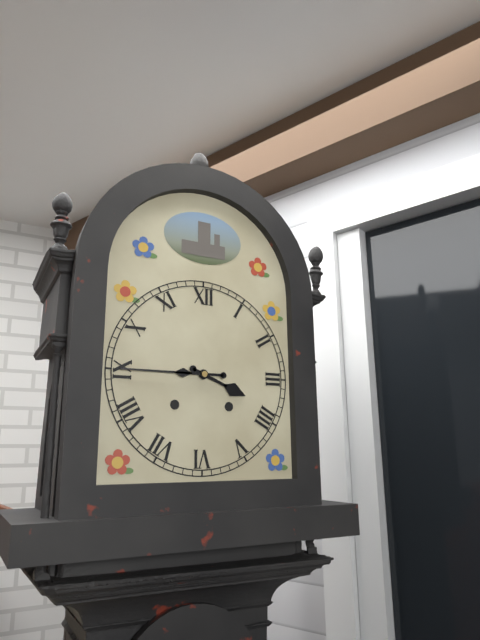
3:45
